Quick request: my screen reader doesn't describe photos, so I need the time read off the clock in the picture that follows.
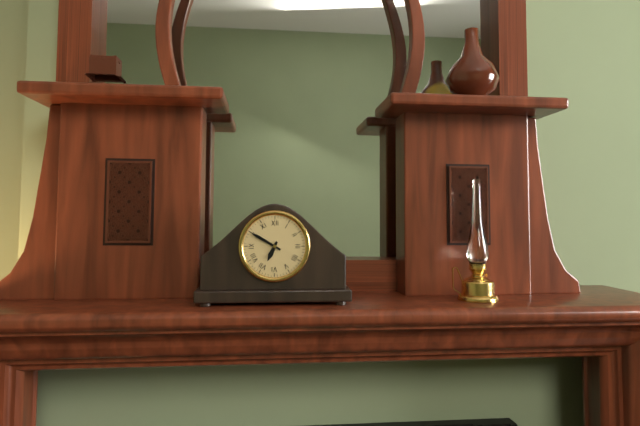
6:50
